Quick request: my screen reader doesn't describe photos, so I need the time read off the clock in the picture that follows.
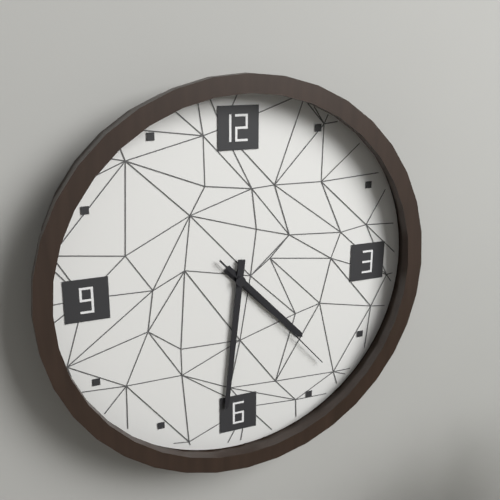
4:31:23
